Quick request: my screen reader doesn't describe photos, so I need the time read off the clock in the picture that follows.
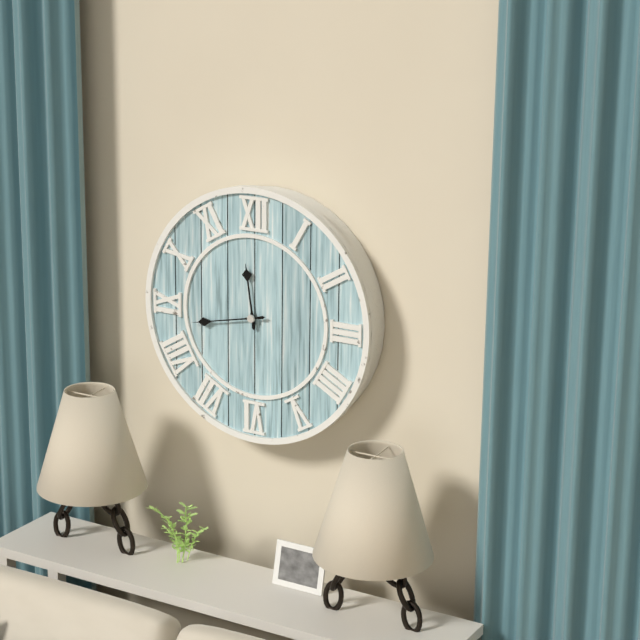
11:43
